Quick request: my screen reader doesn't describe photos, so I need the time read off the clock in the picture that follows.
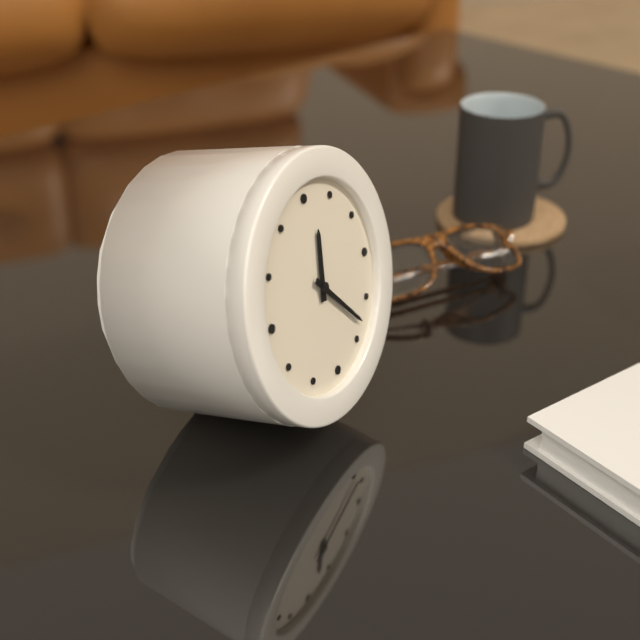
12:23
